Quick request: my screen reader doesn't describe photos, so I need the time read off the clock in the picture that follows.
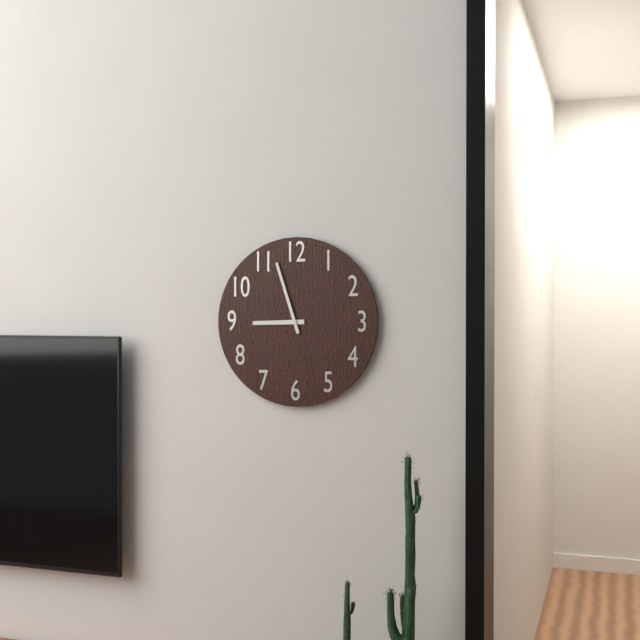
8:57
